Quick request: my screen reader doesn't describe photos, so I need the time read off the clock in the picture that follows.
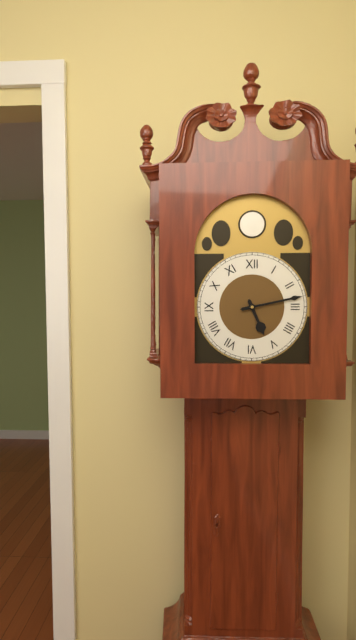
5:13
